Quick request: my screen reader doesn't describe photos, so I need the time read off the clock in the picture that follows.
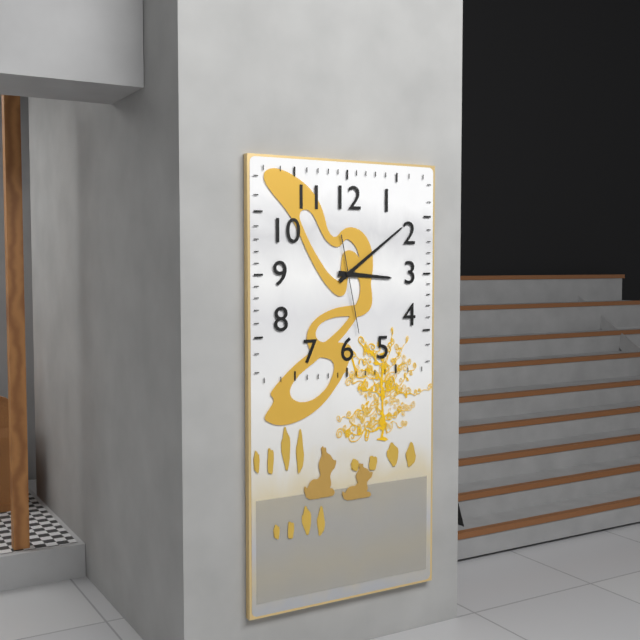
3:09:28
